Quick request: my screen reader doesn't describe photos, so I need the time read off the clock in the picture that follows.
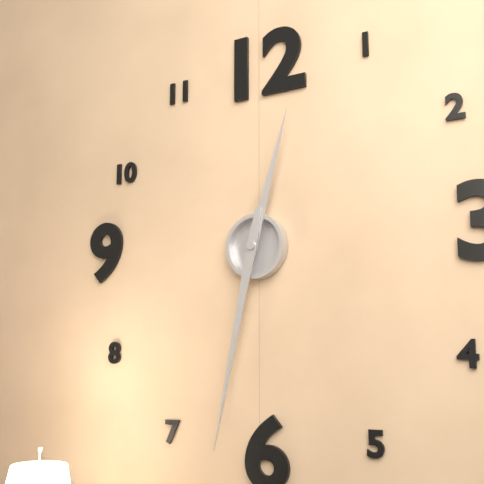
12:32
